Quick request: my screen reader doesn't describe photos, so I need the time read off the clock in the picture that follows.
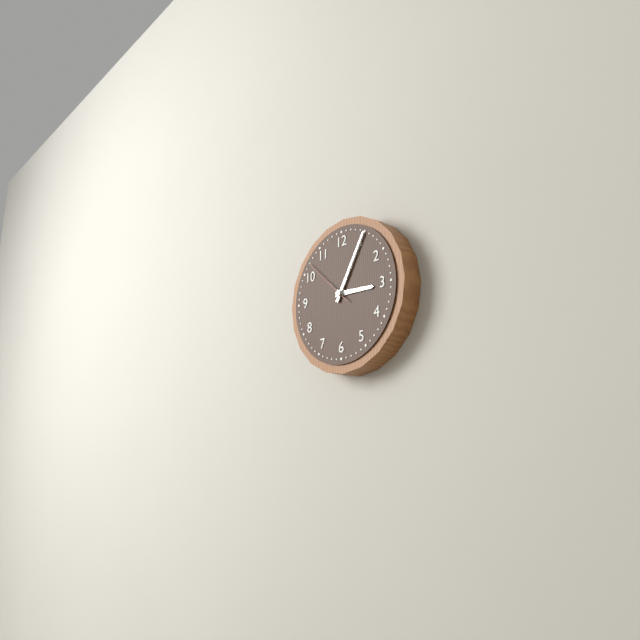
3:05:52
